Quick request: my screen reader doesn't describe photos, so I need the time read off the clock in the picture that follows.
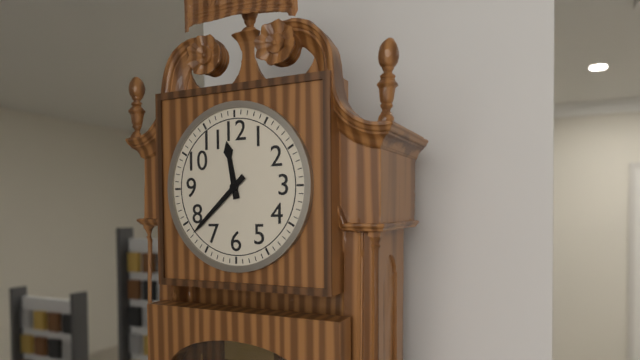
11:38
